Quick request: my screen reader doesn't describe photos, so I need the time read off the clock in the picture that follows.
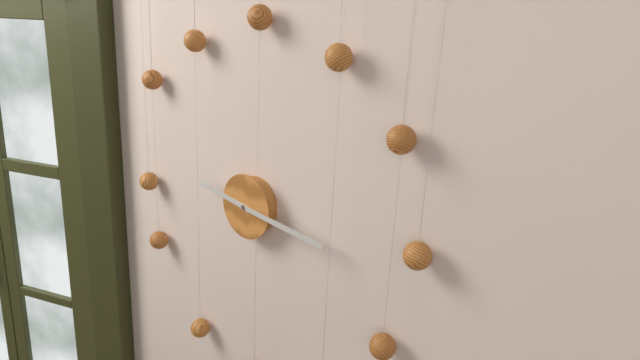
9:16
